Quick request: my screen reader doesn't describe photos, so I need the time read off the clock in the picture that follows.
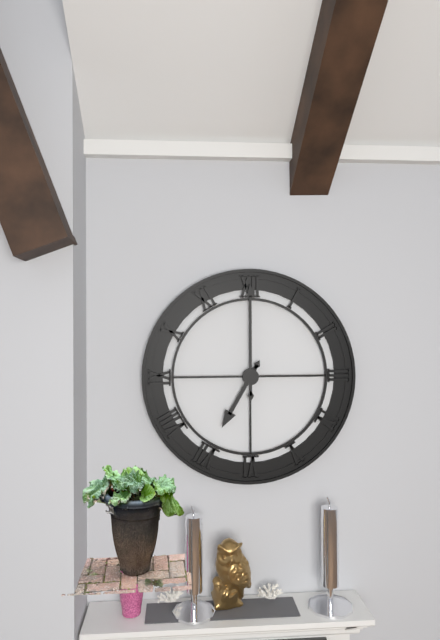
7:00
